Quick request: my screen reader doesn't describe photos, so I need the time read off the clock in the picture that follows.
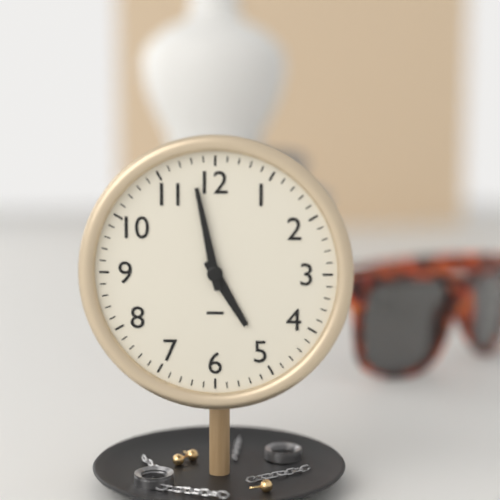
4:58
